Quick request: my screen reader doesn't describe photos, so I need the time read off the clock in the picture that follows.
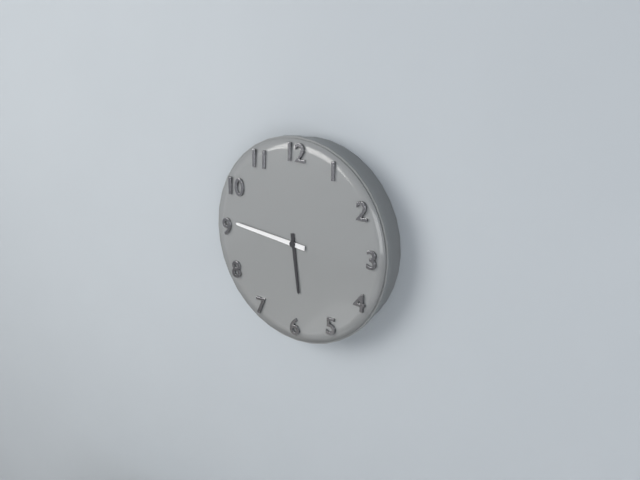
5:46
